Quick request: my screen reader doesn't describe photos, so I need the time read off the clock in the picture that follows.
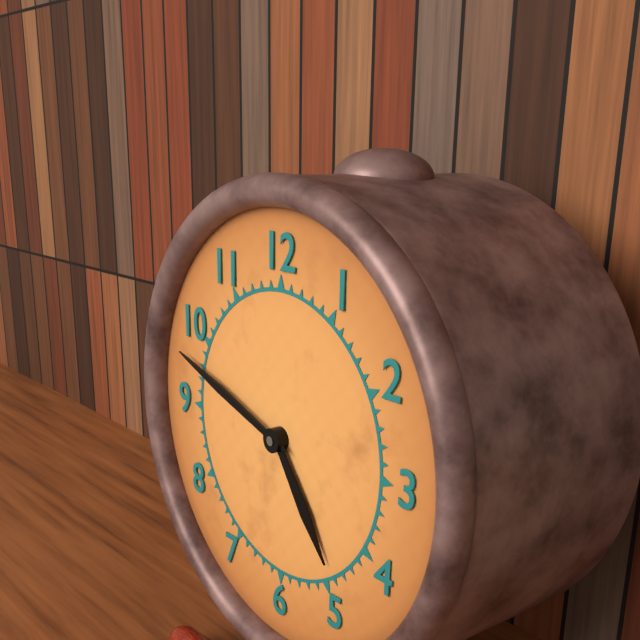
4:48
